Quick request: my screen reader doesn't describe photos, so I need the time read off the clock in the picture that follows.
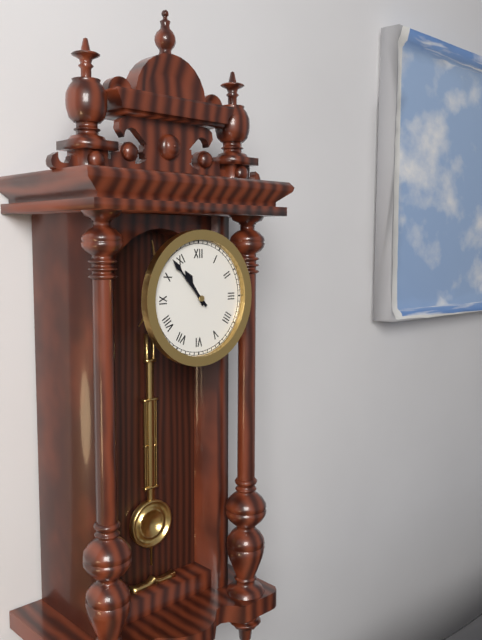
10:53
